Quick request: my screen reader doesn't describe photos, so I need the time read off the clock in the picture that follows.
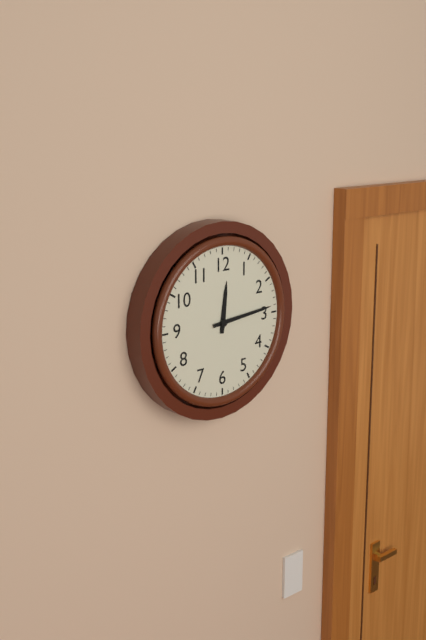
12:14
